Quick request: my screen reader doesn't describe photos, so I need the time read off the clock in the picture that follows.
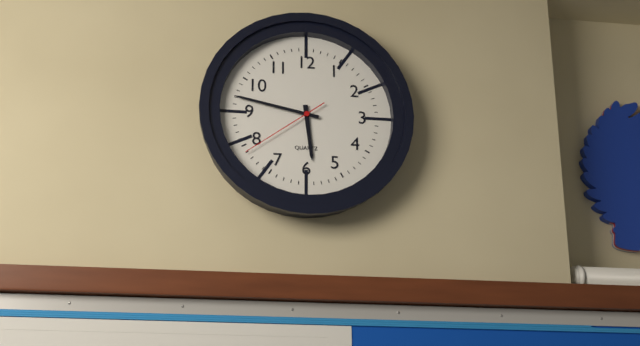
5:47:39
